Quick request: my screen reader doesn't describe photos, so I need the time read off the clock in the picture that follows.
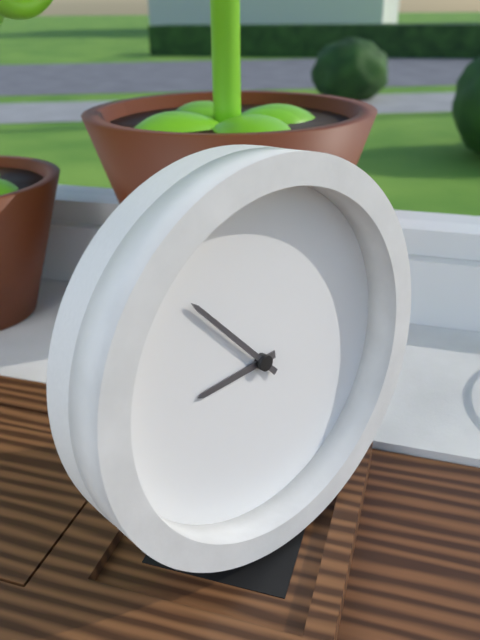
8:53
